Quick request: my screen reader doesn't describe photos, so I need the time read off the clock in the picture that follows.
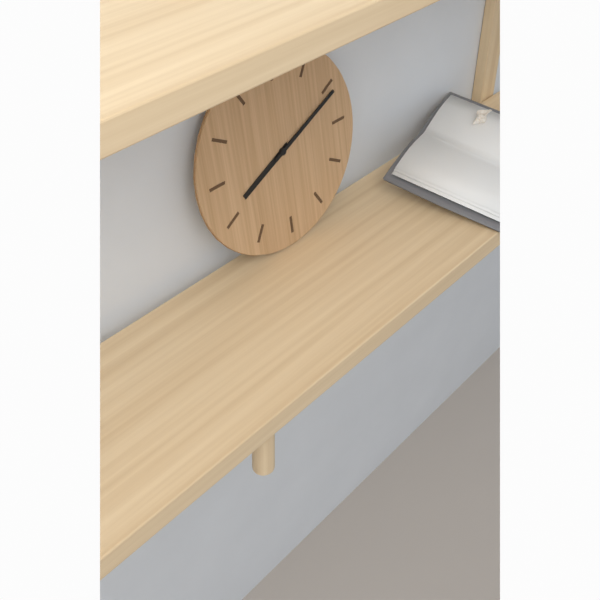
8:11
